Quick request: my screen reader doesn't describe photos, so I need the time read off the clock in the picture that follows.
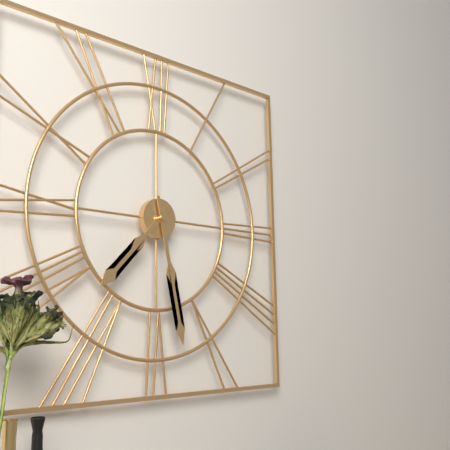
7:28
